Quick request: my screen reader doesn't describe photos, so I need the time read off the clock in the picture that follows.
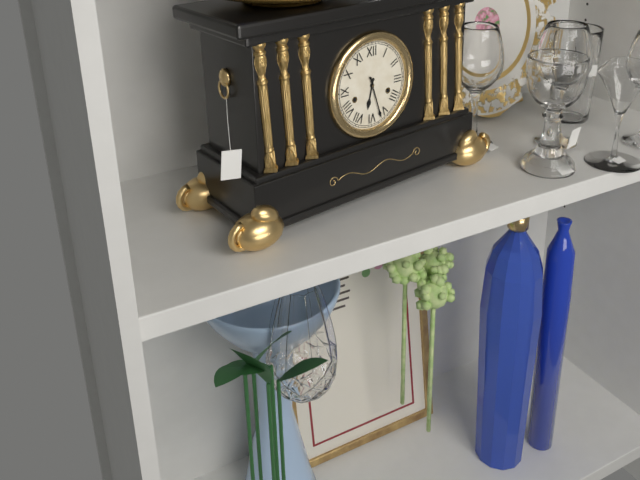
6:27
